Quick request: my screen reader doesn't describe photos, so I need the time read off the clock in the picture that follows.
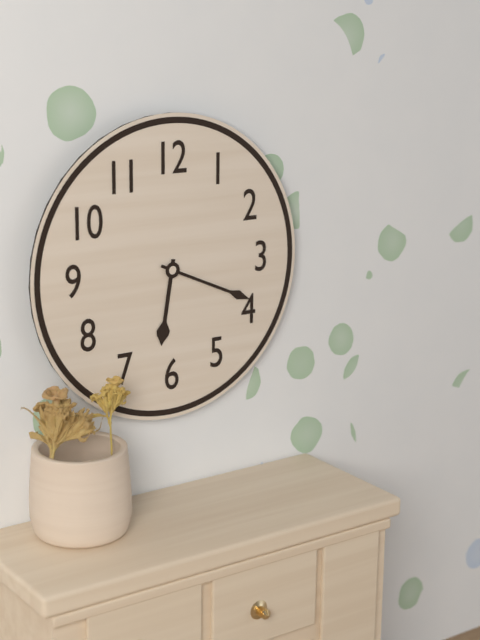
6:19
